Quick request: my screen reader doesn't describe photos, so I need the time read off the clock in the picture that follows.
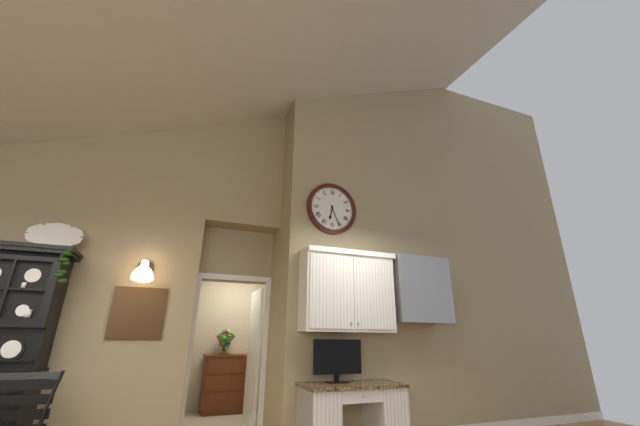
6:26
